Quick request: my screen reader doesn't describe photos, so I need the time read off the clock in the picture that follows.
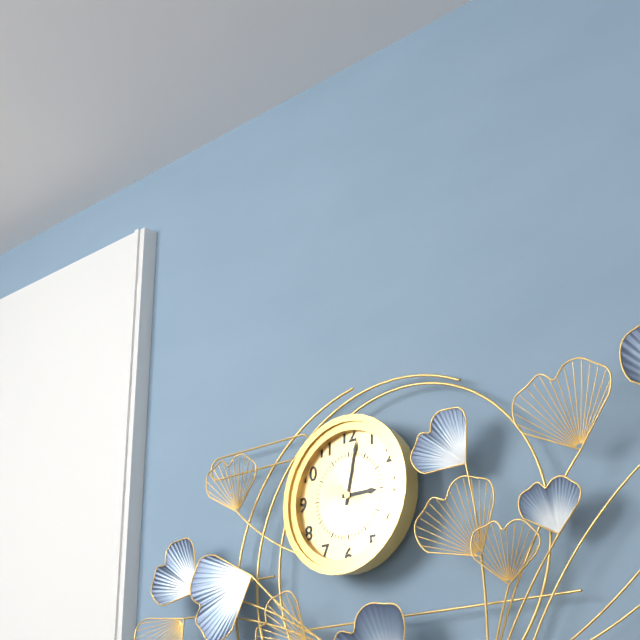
3:02
